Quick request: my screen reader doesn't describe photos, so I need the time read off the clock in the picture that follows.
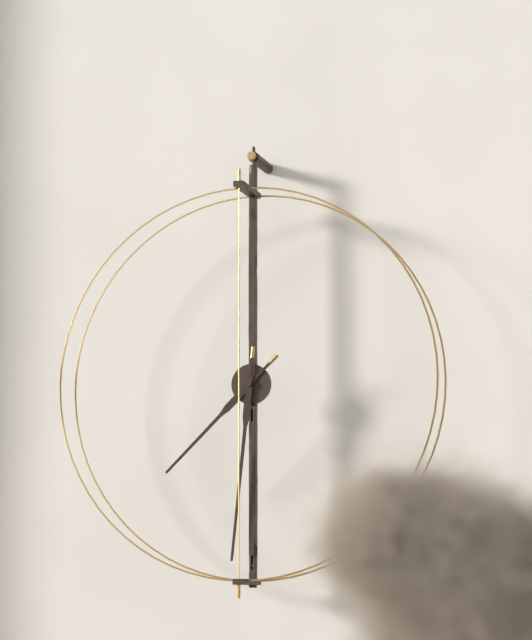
7:31
